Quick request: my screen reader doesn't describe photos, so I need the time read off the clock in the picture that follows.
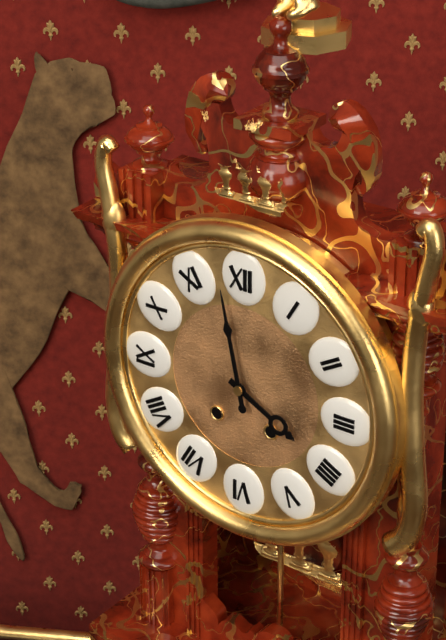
3:58
